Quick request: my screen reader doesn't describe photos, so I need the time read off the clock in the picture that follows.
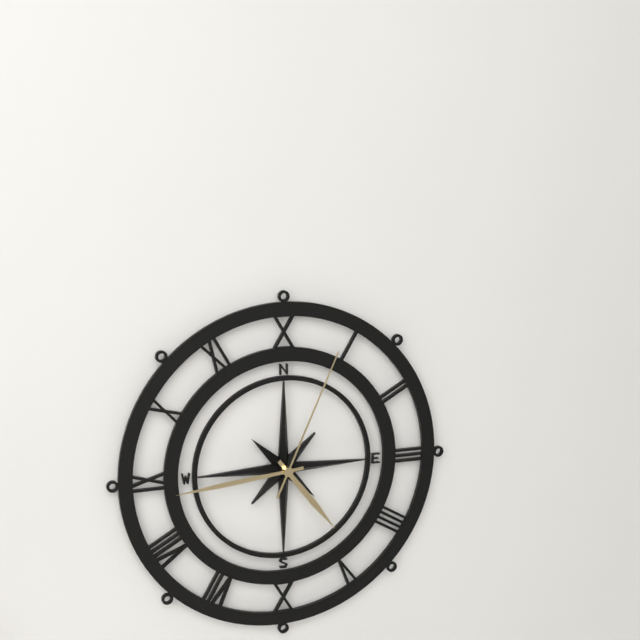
4:44:04
